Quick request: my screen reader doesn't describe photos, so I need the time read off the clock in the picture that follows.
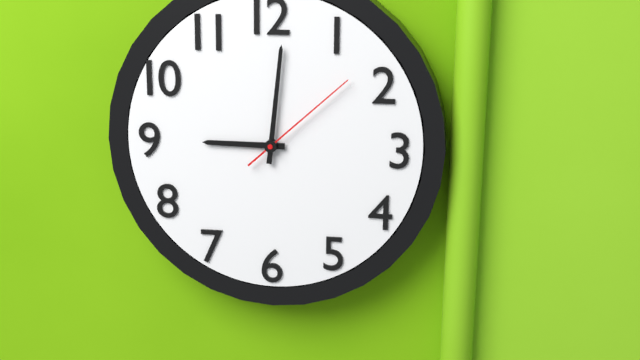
9:01:08
